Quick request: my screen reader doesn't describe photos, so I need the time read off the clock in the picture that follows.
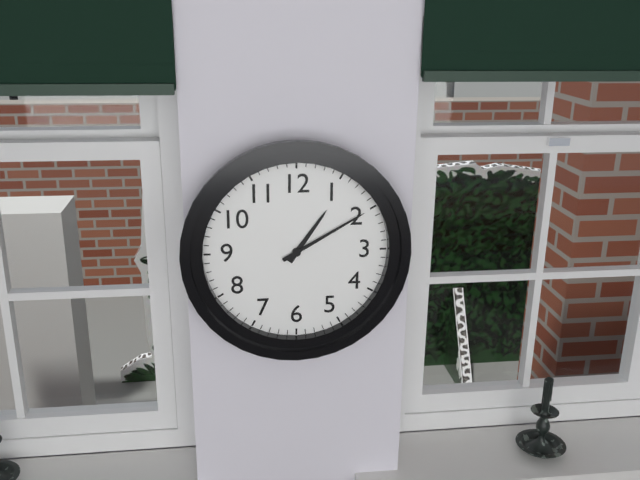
1:10
